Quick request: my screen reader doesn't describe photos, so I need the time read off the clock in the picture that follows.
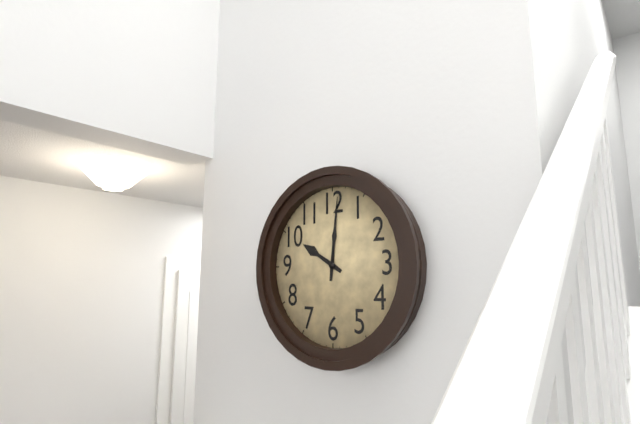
10:01
